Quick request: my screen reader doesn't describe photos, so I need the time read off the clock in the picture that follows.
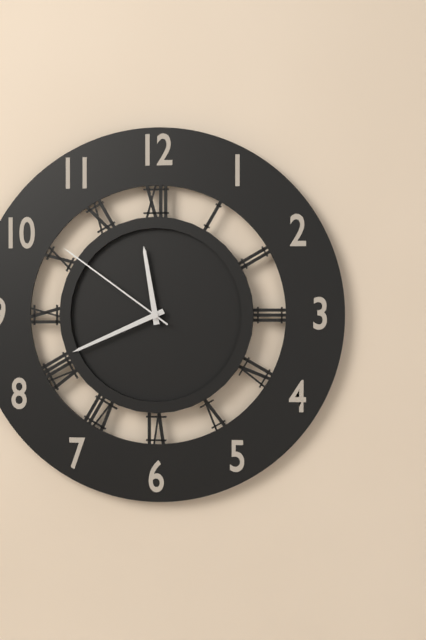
11:41:51
